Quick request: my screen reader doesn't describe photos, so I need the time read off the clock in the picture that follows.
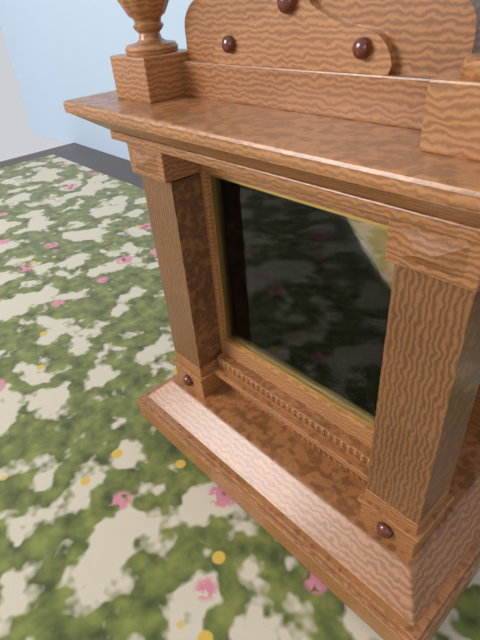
4:21
